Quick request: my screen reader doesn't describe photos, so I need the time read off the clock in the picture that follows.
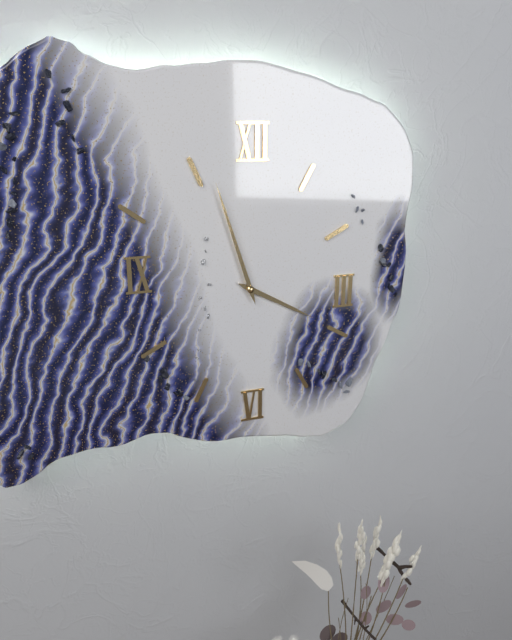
3:57
